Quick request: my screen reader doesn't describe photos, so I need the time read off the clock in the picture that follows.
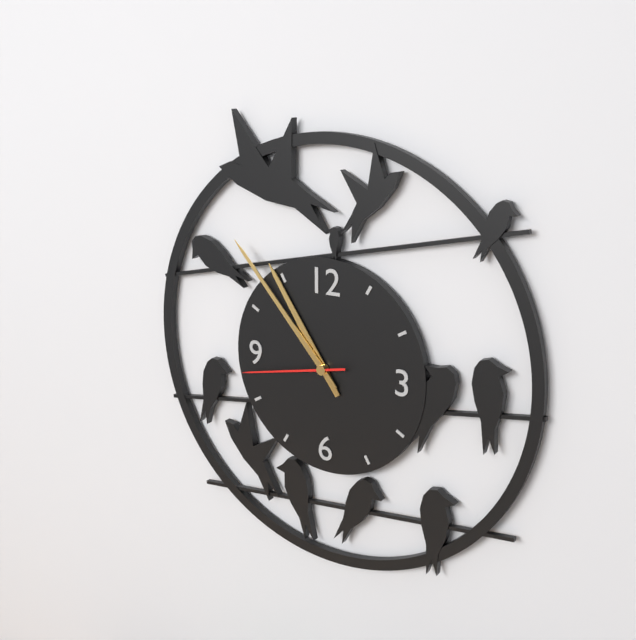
10:53:43
